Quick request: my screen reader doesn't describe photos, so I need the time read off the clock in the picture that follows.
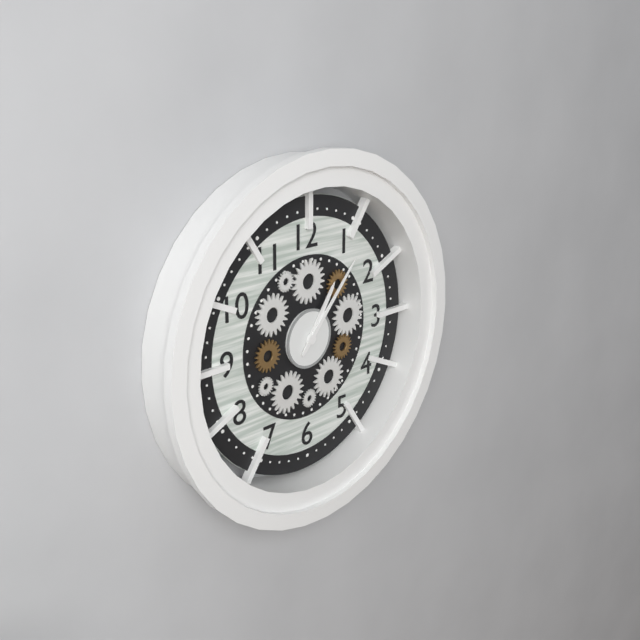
1:07
